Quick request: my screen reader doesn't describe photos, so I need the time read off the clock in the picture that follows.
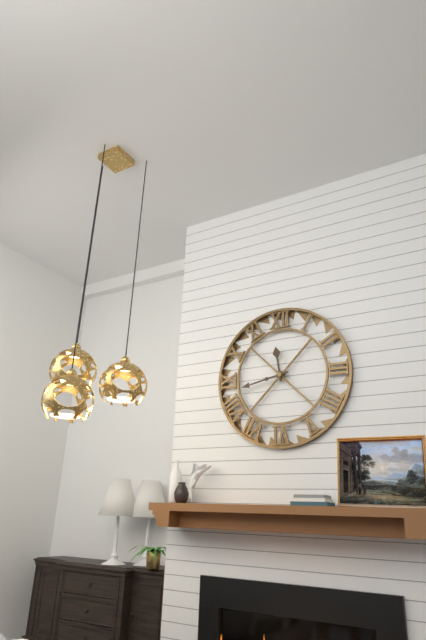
11:43
